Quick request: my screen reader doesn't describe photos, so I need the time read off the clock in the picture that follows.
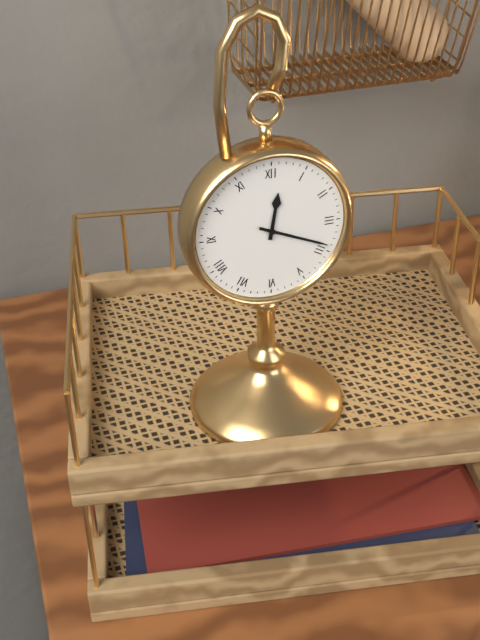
12:19
